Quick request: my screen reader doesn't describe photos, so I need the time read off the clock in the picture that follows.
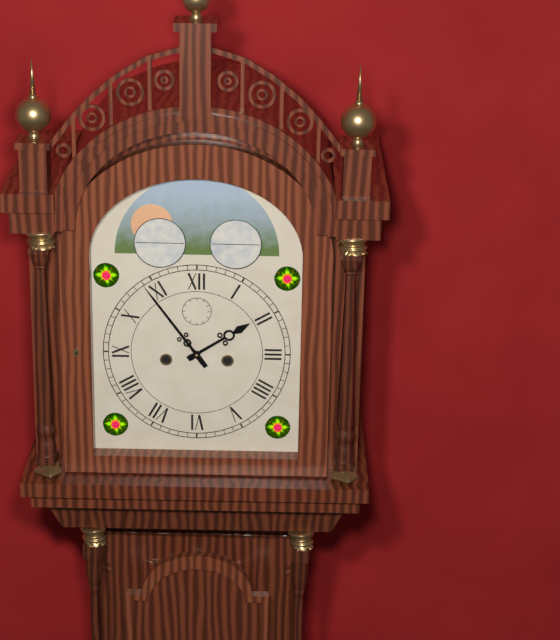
1:54
